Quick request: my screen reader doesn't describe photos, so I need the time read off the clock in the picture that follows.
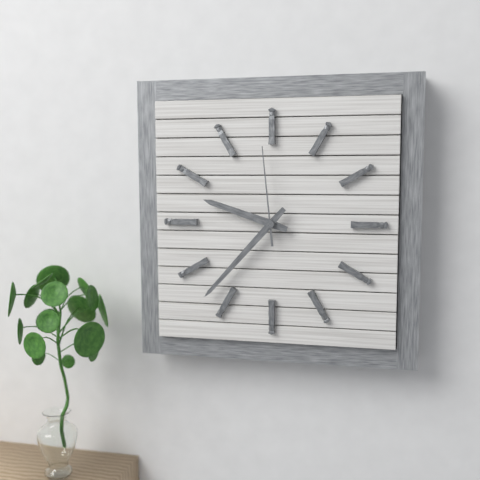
9:37:59
